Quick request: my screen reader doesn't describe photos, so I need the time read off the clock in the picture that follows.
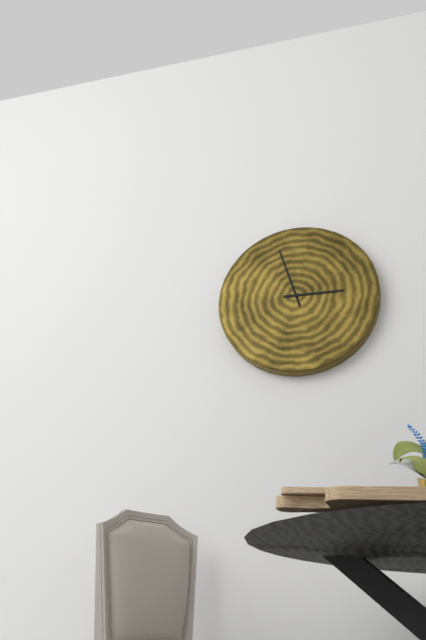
2:57
